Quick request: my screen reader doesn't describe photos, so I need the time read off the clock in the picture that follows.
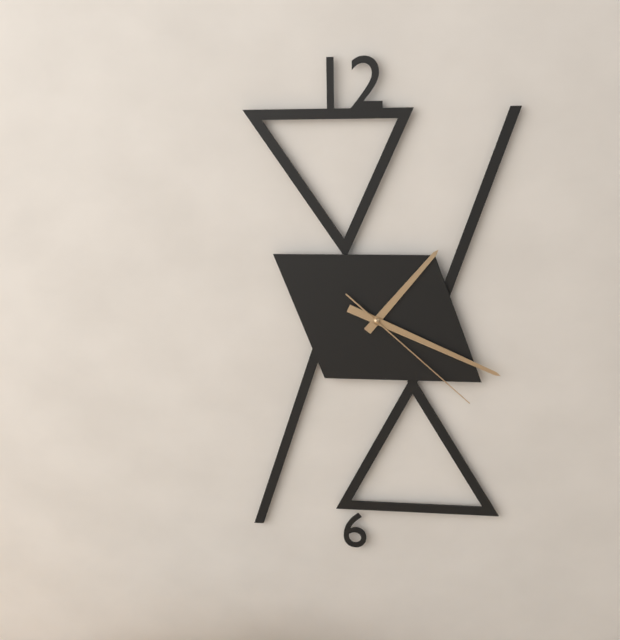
1:19:22
